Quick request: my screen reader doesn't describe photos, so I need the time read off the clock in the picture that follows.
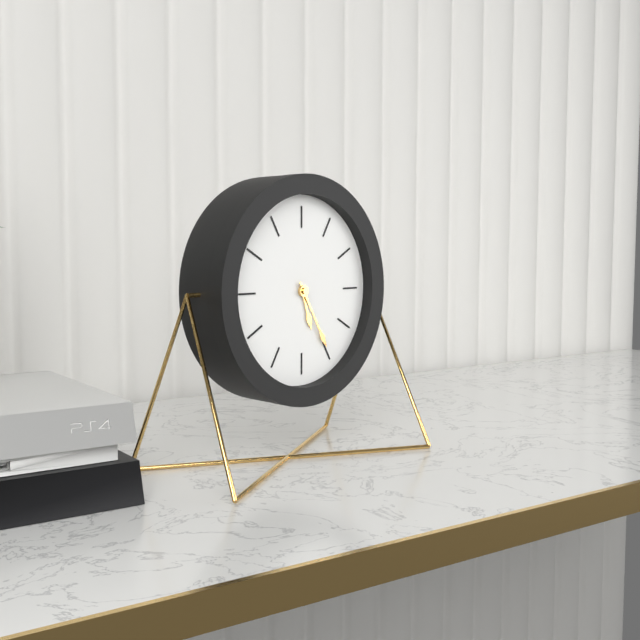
5:25
